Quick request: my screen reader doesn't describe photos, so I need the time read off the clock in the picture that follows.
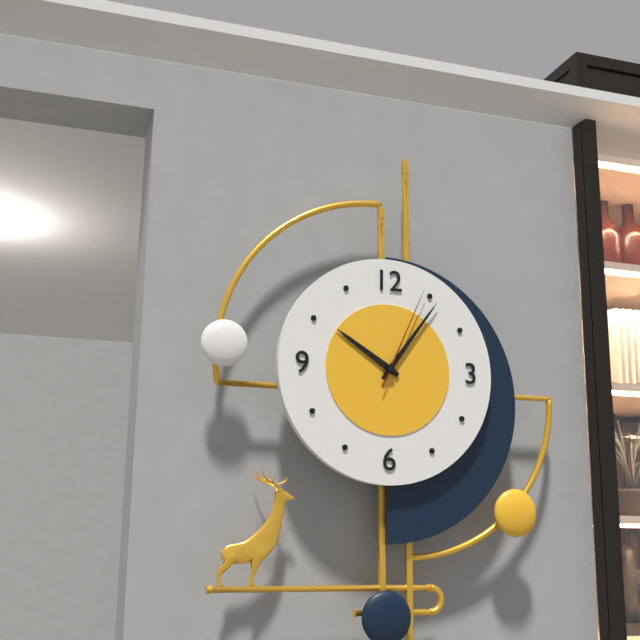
10:06:04
